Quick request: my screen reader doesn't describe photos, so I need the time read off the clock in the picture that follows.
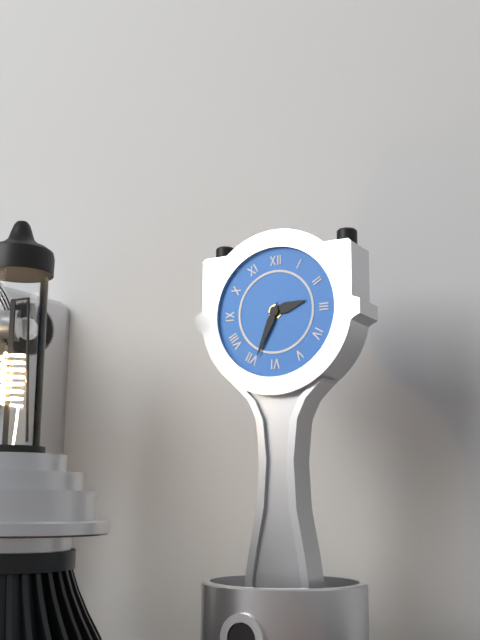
2:34
